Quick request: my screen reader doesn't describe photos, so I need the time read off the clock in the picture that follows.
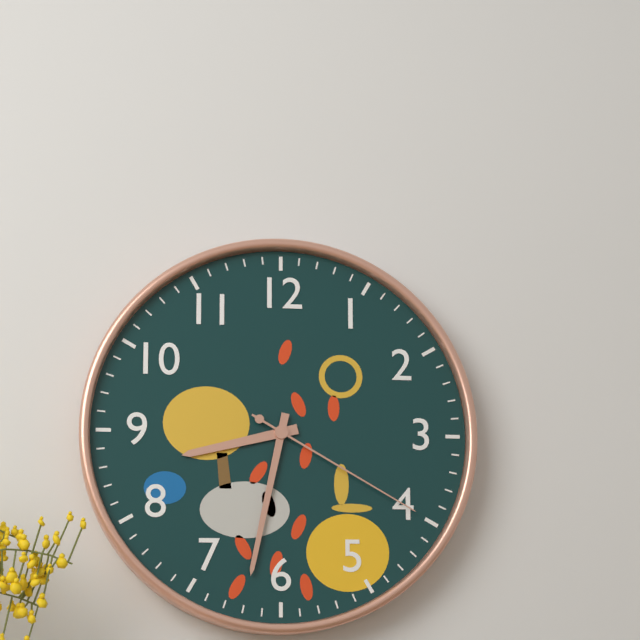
8:32:20
